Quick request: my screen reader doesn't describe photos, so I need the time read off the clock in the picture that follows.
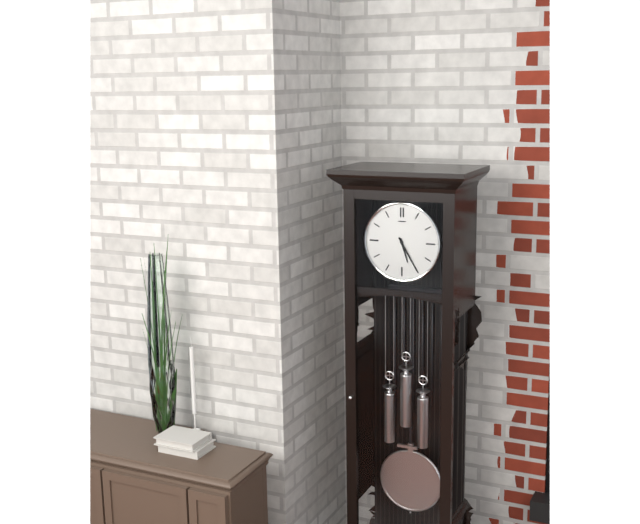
5:25
